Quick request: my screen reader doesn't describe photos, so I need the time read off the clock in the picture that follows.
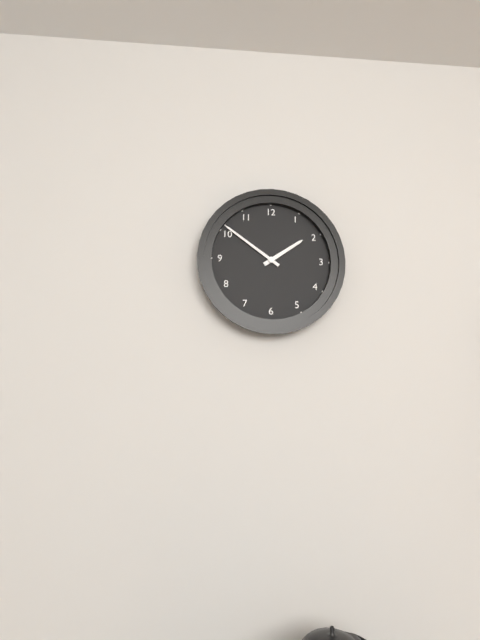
1:51
